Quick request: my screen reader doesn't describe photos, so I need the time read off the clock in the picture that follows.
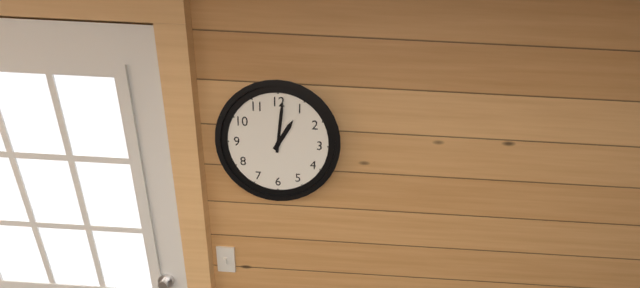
1:01
